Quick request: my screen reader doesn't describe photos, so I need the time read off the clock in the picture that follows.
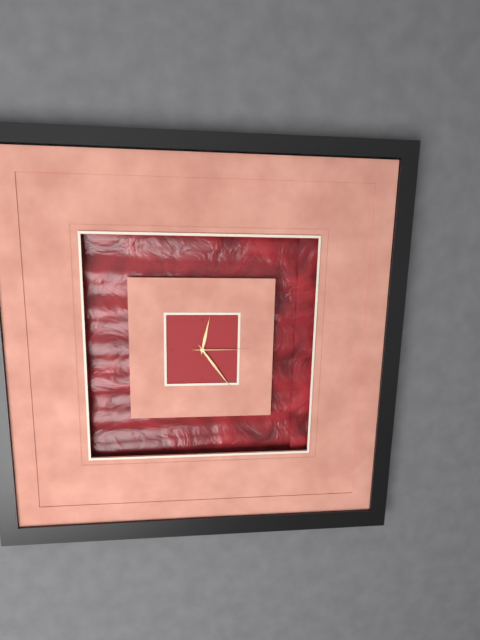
12:24:15
